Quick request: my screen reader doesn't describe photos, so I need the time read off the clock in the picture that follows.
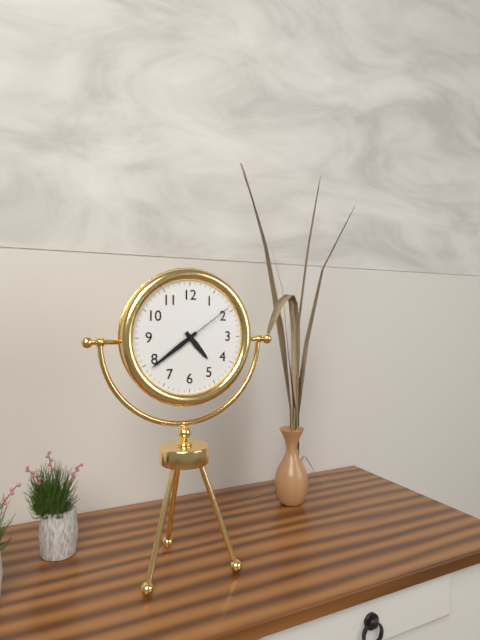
4:39:09
